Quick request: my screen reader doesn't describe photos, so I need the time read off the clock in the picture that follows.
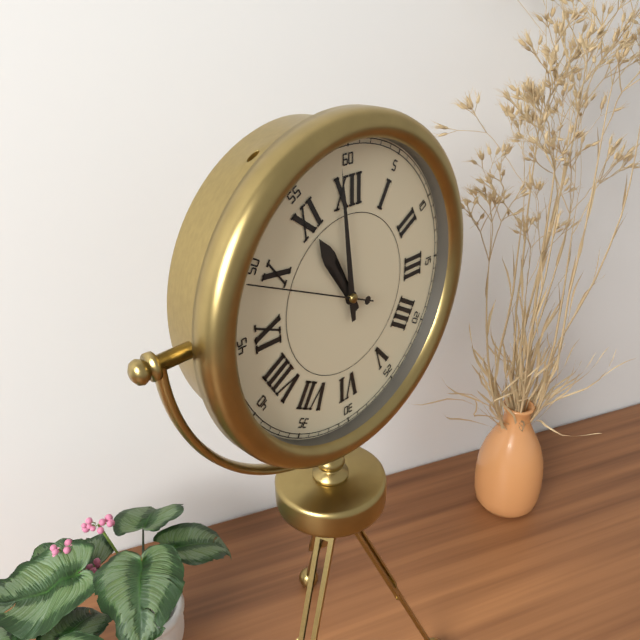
10:59:49
